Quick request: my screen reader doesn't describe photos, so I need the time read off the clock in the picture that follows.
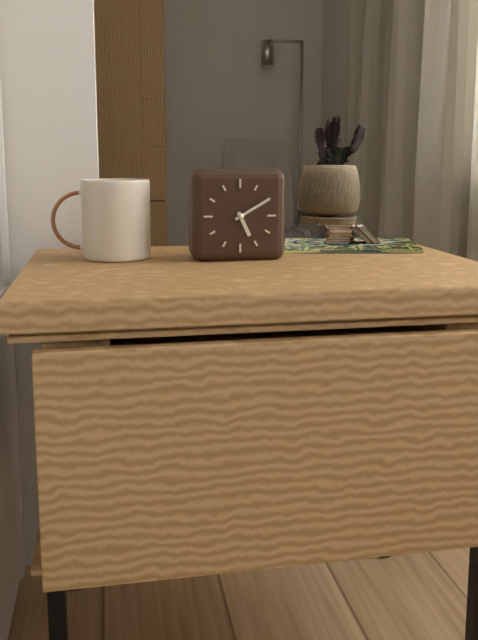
5:10
